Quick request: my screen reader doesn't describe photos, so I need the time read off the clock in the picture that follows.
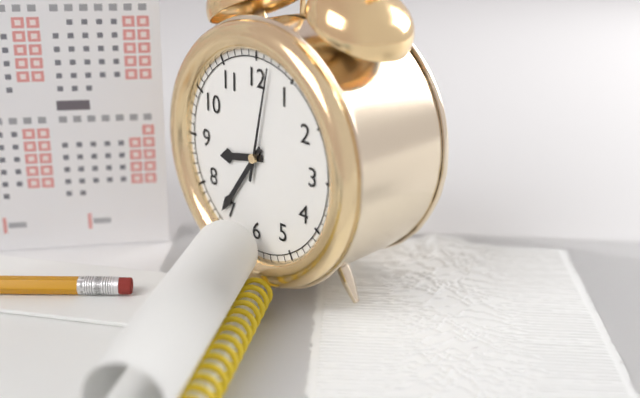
8:36:02
